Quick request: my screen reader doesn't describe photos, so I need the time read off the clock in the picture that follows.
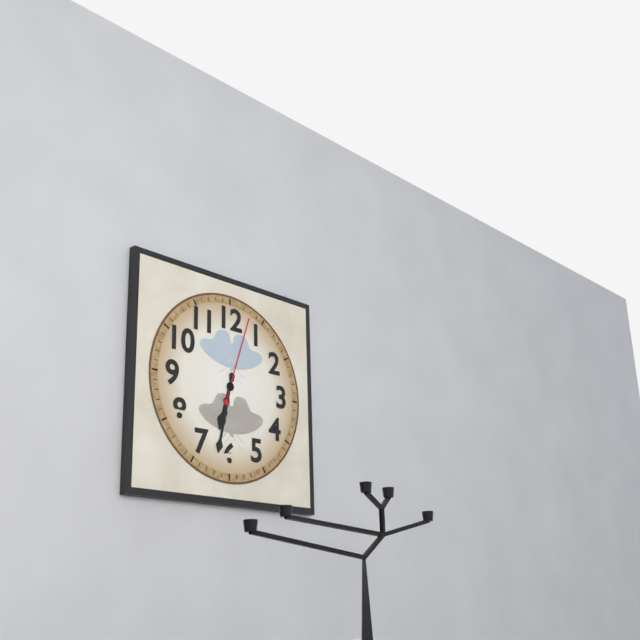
6:32:03
